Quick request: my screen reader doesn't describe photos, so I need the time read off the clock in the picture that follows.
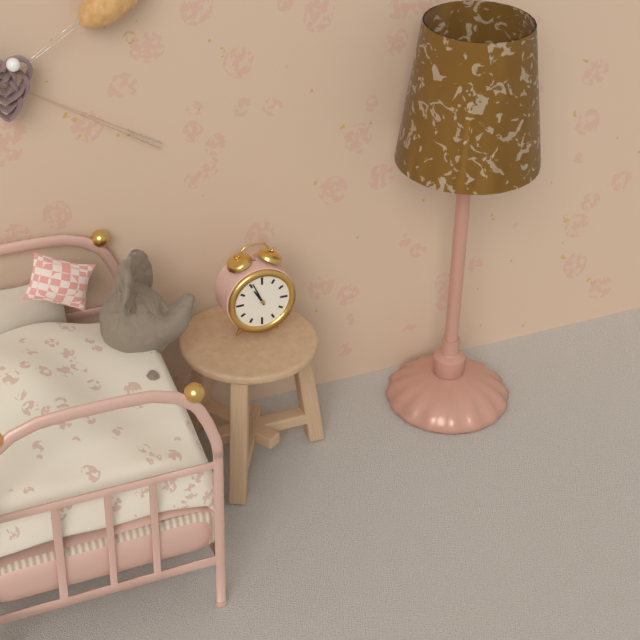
10:56
